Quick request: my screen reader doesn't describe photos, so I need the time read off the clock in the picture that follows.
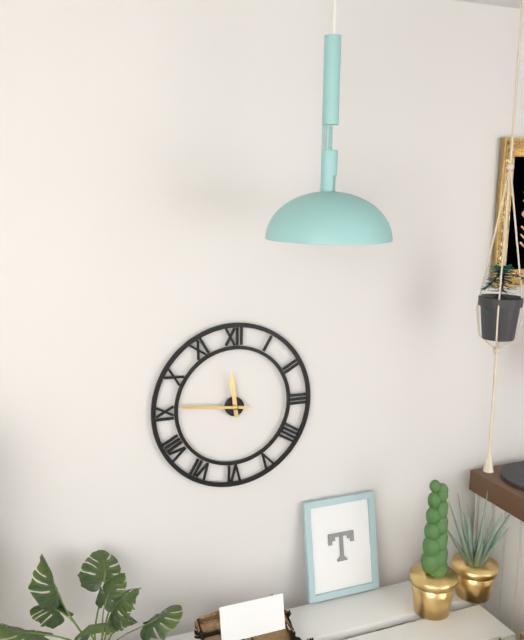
11:46
